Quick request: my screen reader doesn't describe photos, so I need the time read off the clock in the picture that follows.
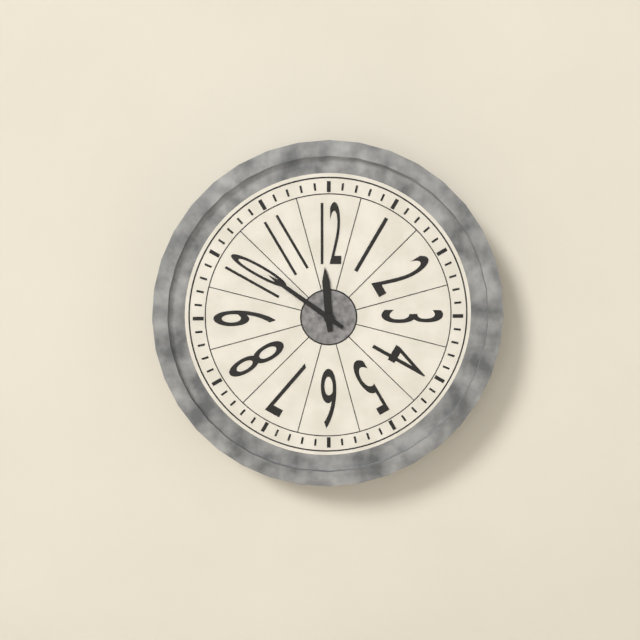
11:51
